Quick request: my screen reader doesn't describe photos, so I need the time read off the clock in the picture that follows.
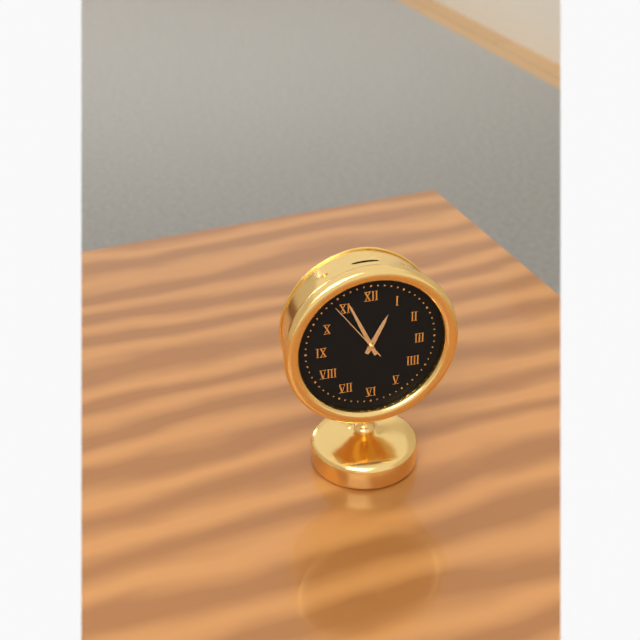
12:56
